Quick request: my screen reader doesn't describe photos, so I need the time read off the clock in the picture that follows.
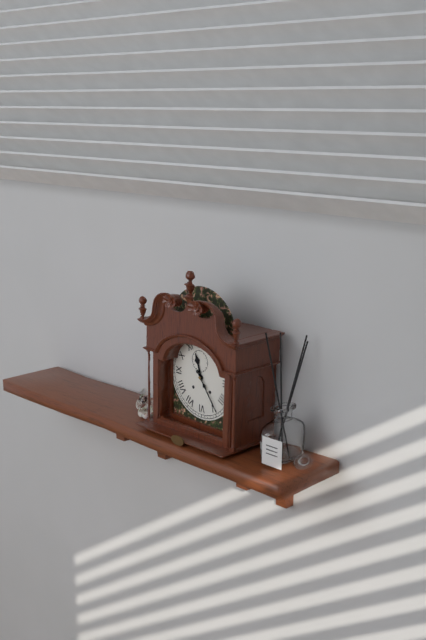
11:24
